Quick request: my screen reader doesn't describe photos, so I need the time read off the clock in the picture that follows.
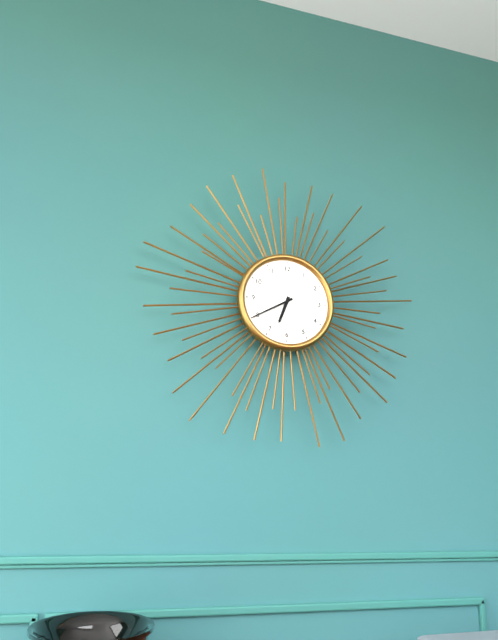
6:40
